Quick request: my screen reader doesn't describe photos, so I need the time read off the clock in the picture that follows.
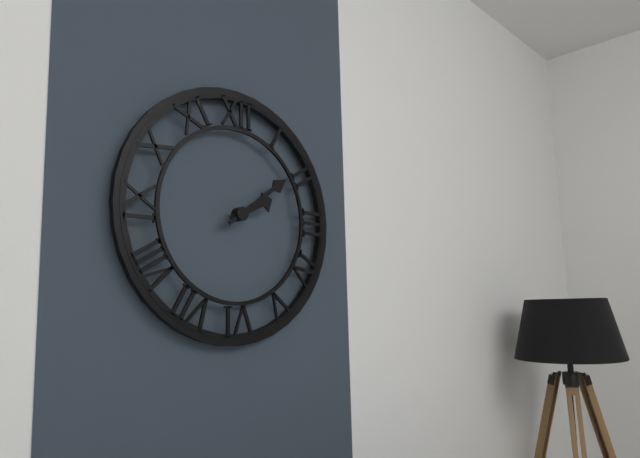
2:09
